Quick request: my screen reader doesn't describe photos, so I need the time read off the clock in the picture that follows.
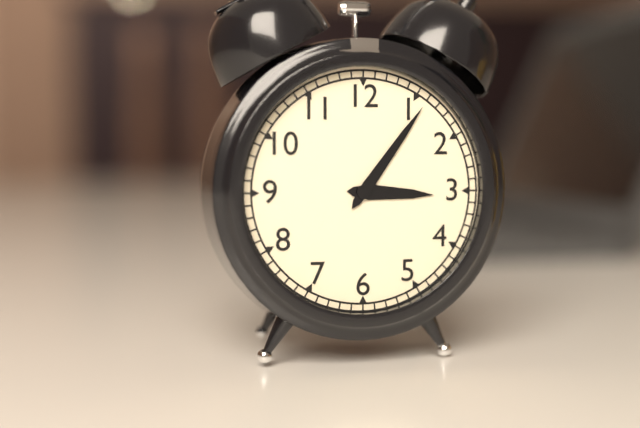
3:06
